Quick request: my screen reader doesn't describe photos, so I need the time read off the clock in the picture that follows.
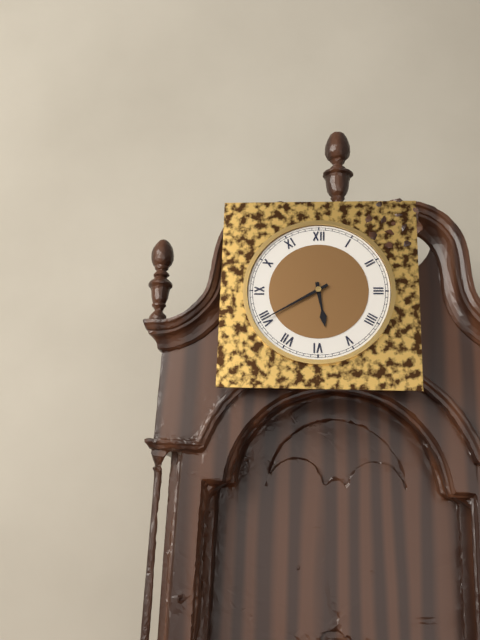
5:40
